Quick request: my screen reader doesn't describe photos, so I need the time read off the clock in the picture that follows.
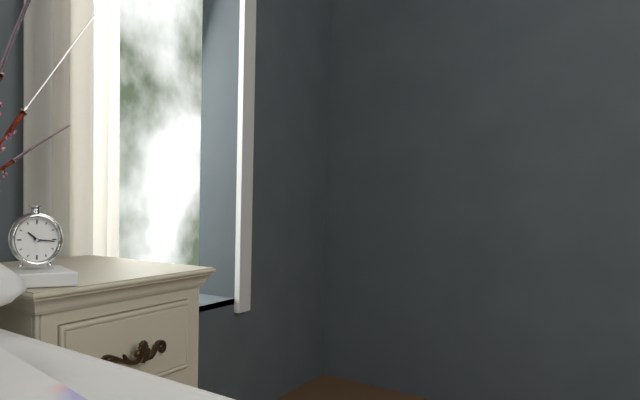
10:16
